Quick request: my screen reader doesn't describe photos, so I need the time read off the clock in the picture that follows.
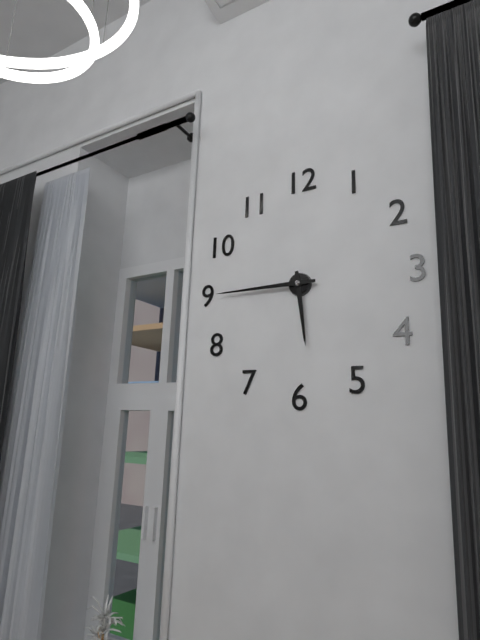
5:45
